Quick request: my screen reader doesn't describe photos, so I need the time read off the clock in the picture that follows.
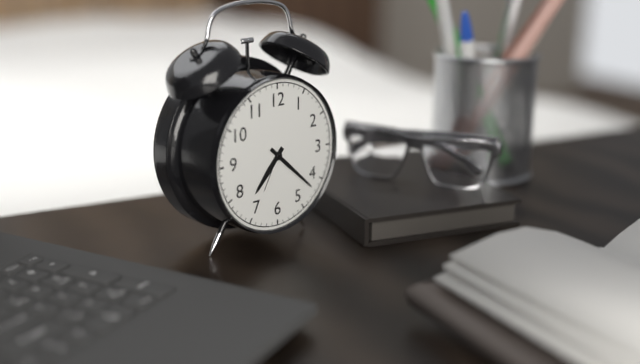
7:22
